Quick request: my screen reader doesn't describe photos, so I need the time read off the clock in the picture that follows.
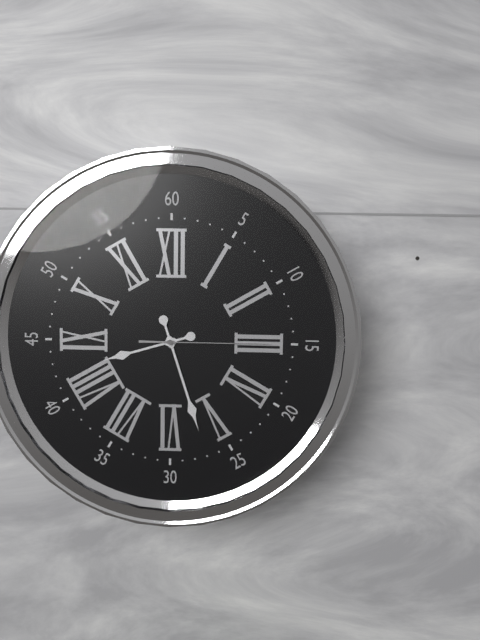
8:27:15
